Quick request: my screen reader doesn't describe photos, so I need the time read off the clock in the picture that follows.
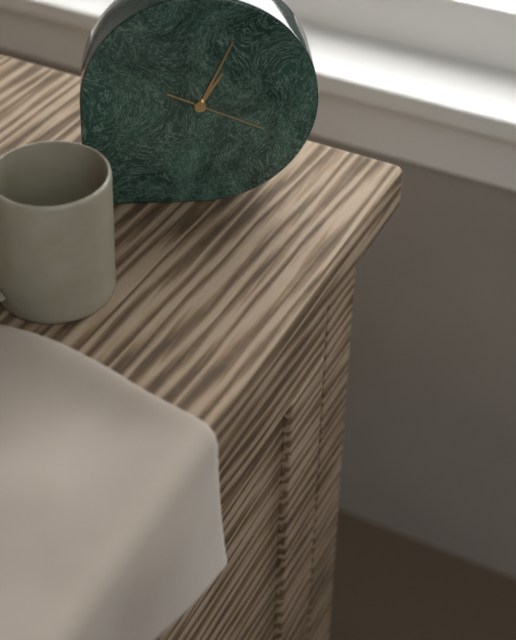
1:04:19
